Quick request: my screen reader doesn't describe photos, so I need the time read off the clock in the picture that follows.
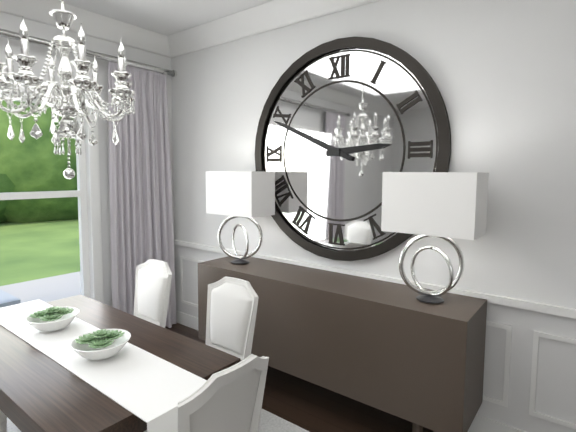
2:49
